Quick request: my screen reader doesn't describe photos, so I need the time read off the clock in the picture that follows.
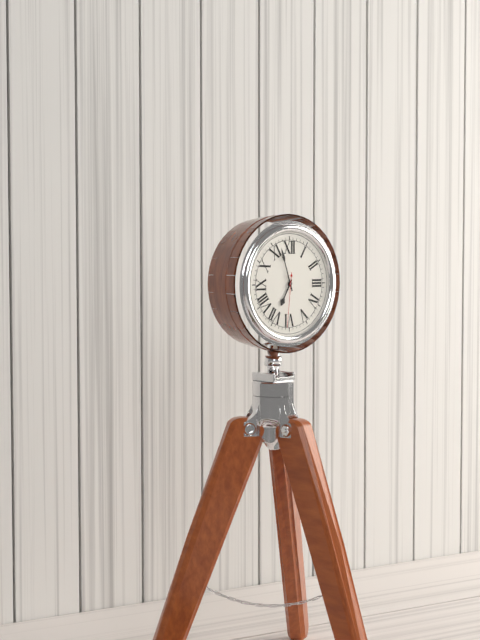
6:57:31
